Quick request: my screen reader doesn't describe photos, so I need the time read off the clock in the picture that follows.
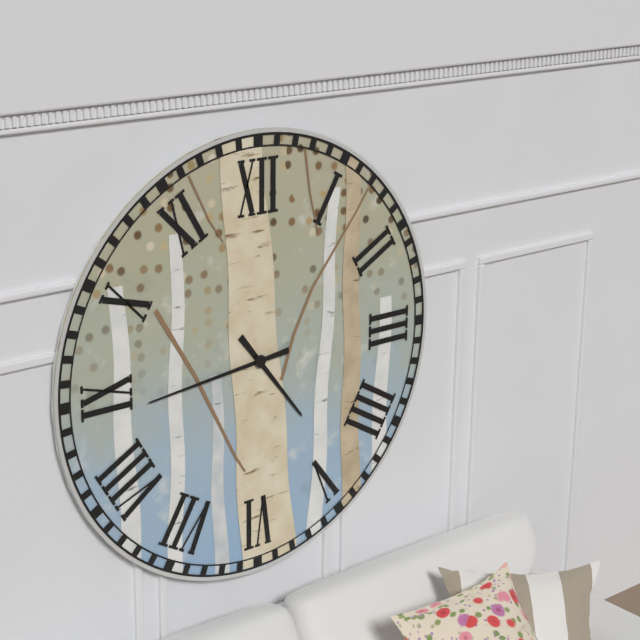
4:44
